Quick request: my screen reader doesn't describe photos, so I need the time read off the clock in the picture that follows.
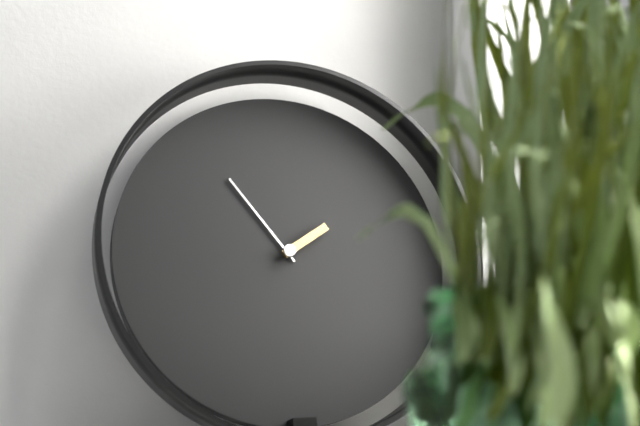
1:54
